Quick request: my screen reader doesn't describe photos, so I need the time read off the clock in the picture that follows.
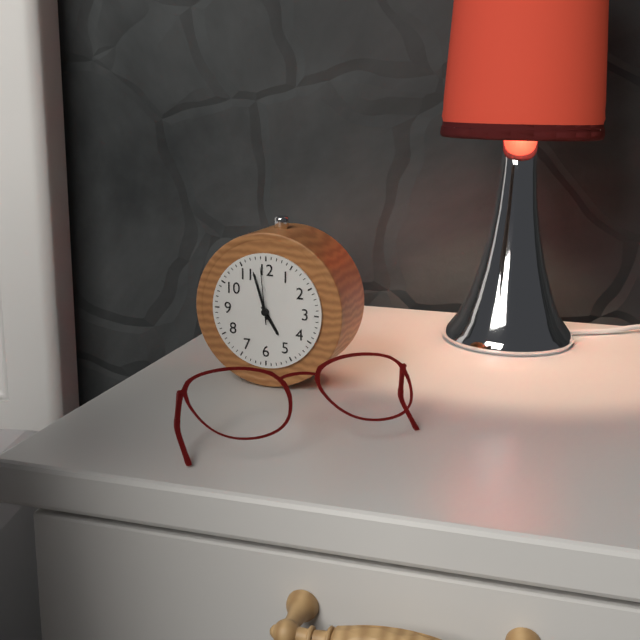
4:57:59
